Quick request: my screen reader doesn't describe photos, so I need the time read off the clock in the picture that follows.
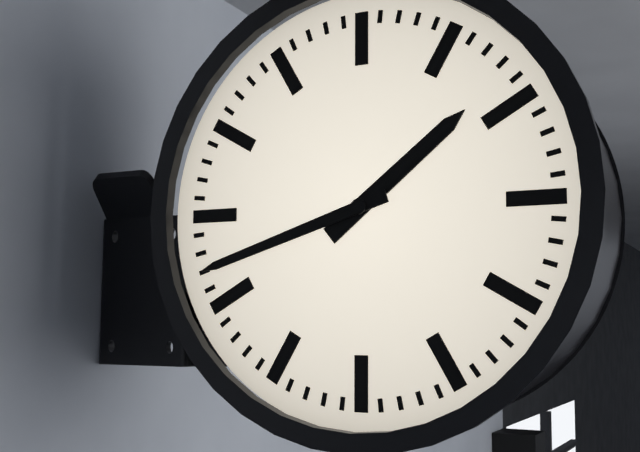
1:42
